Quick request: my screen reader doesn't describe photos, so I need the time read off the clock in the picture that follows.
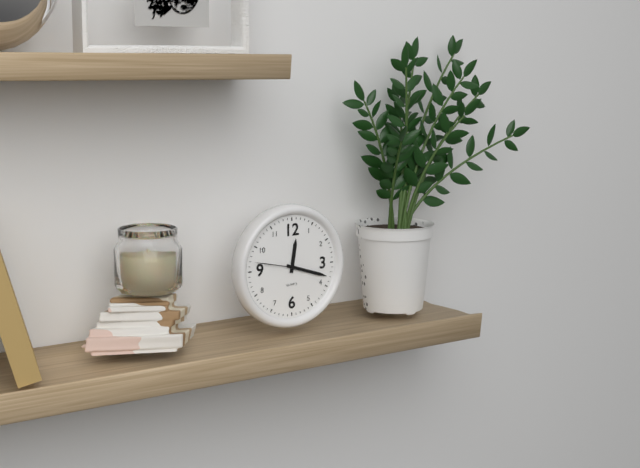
12:18
